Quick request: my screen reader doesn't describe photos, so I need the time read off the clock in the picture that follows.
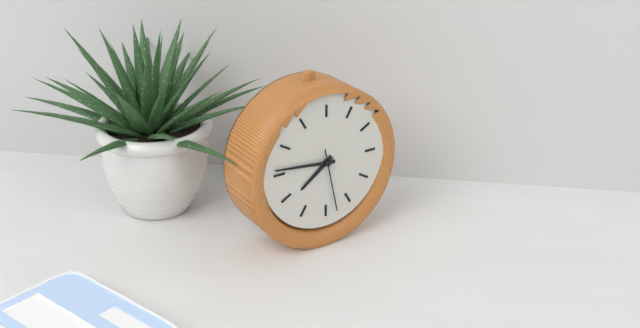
7:46:28
